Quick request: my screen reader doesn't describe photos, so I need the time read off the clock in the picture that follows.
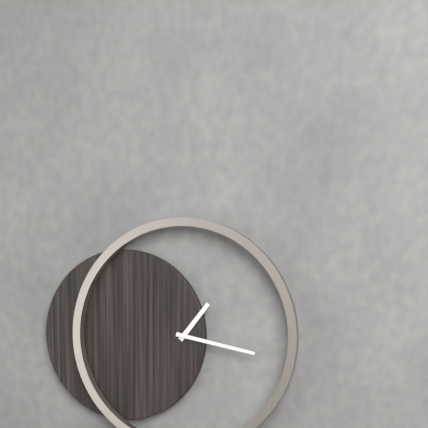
1:17
